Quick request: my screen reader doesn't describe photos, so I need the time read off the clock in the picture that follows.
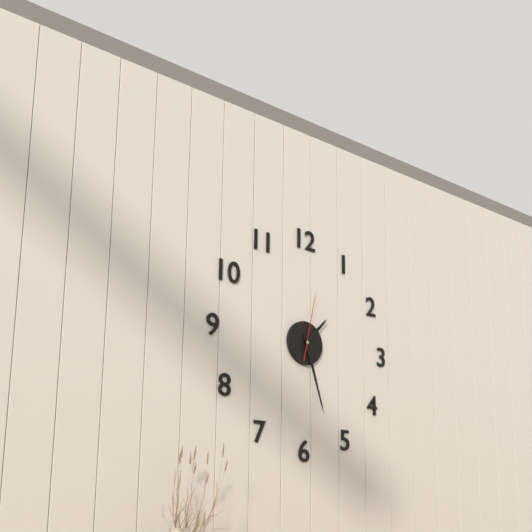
1:27:02
